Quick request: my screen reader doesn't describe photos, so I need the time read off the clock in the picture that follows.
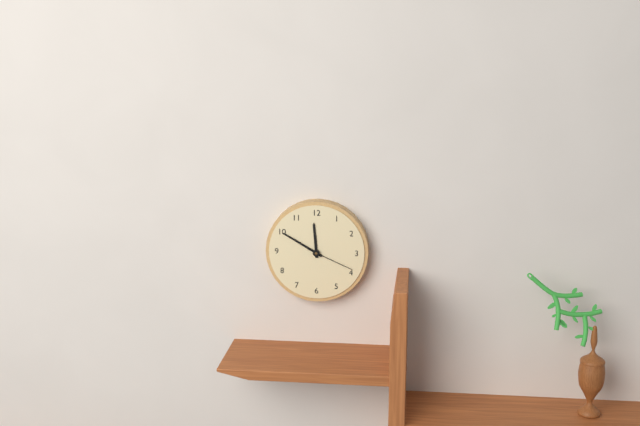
11:50
